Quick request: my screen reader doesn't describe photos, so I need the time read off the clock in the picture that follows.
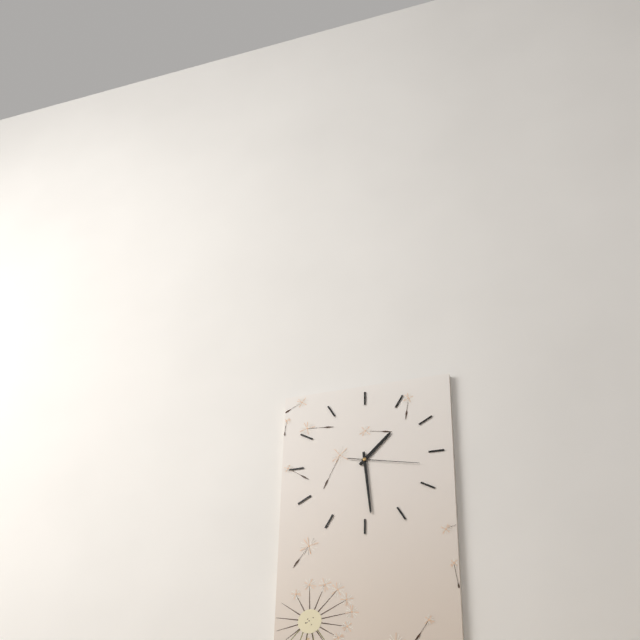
1:29:17
